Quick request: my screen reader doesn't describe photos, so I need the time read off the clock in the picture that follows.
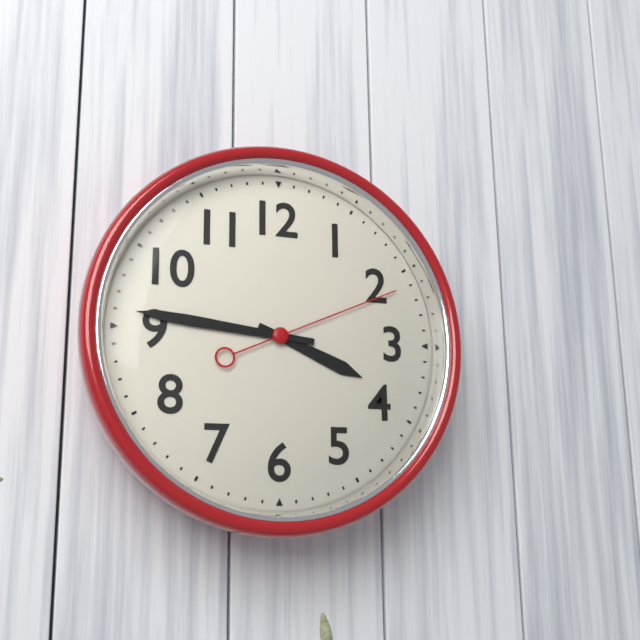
3:46:11
